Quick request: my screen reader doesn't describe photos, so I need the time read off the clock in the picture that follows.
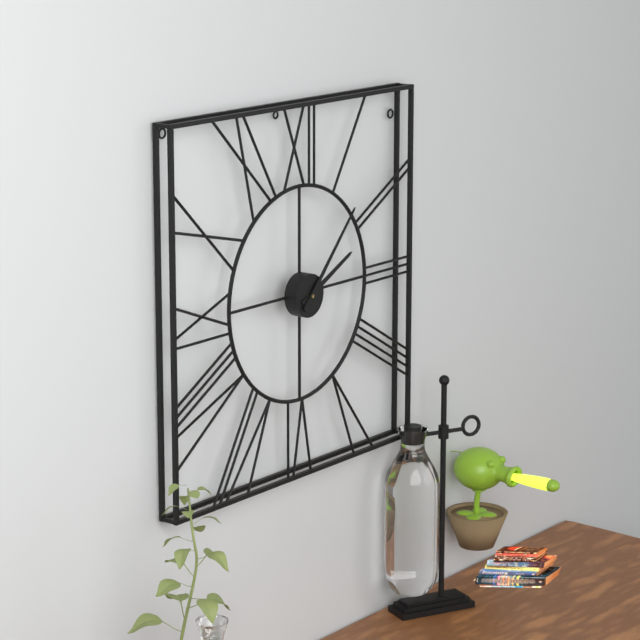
2:07
